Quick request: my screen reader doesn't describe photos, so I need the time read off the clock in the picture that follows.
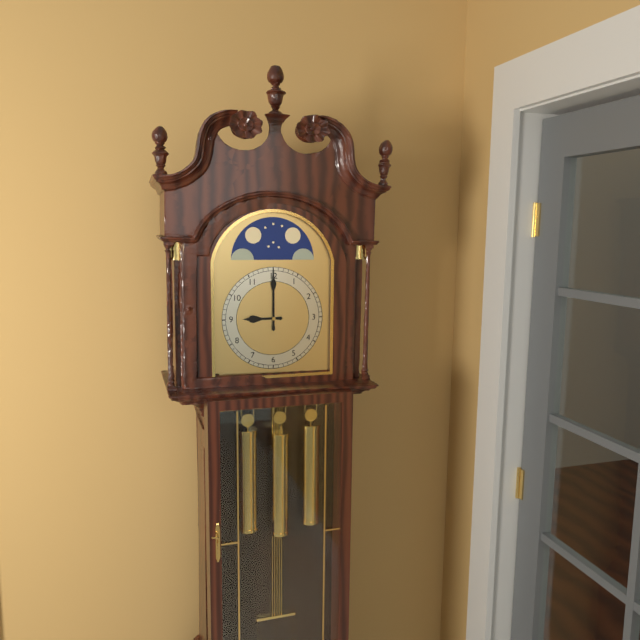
9:00
